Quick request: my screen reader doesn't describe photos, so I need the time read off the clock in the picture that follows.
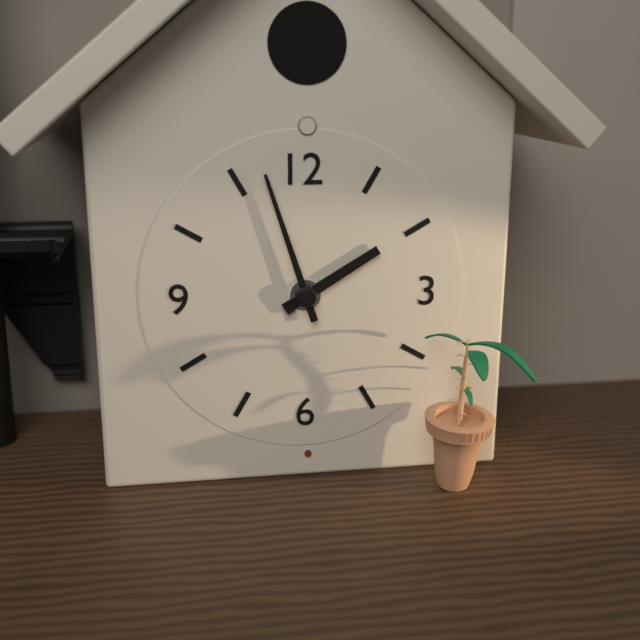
1:57
